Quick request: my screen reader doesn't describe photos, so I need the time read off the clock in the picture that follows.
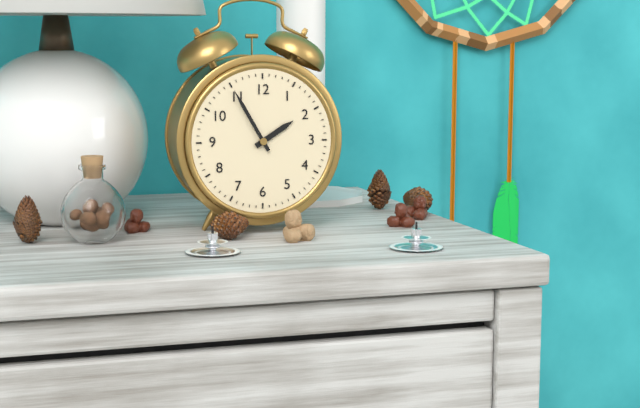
1:55
